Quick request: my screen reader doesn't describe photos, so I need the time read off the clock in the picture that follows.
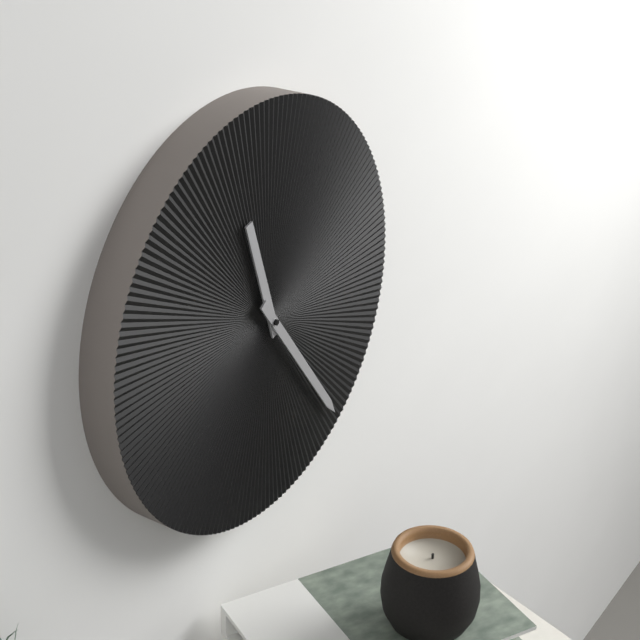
11:24
